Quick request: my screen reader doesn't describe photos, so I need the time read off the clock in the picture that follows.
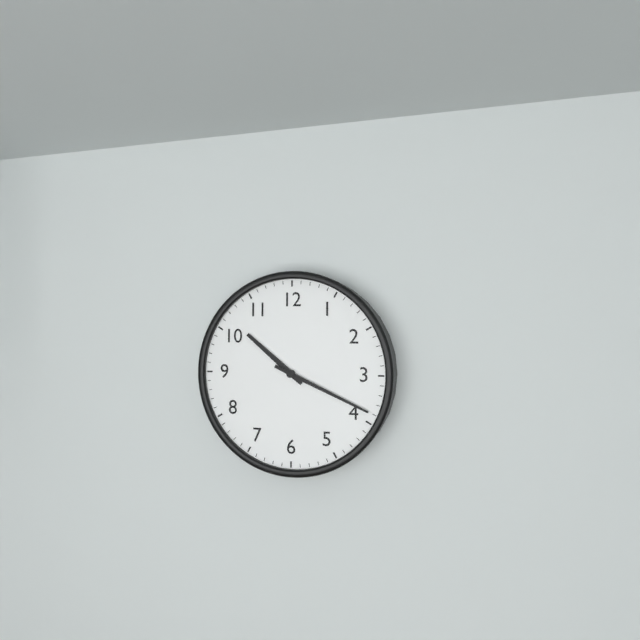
10:19
